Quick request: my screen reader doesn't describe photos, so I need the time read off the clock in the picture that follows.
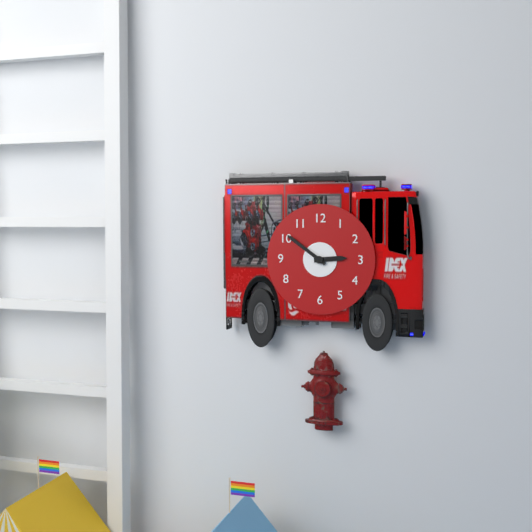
2:51
